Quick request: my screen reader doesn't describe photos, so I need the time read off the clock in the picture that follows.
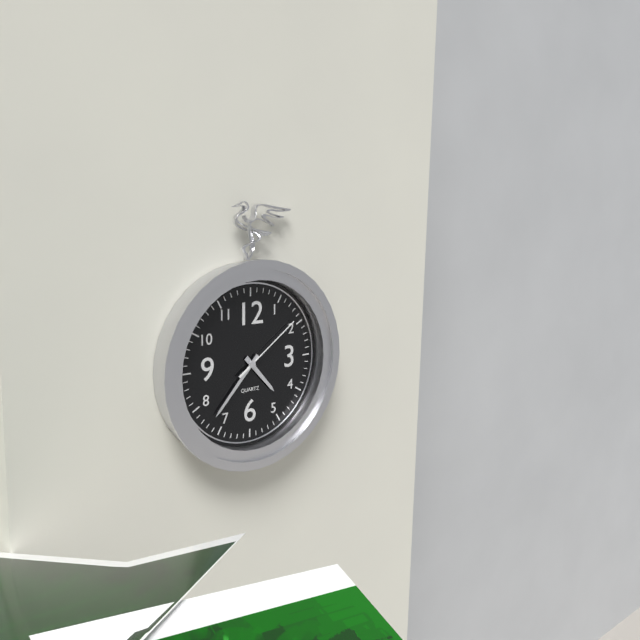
4:37:09
